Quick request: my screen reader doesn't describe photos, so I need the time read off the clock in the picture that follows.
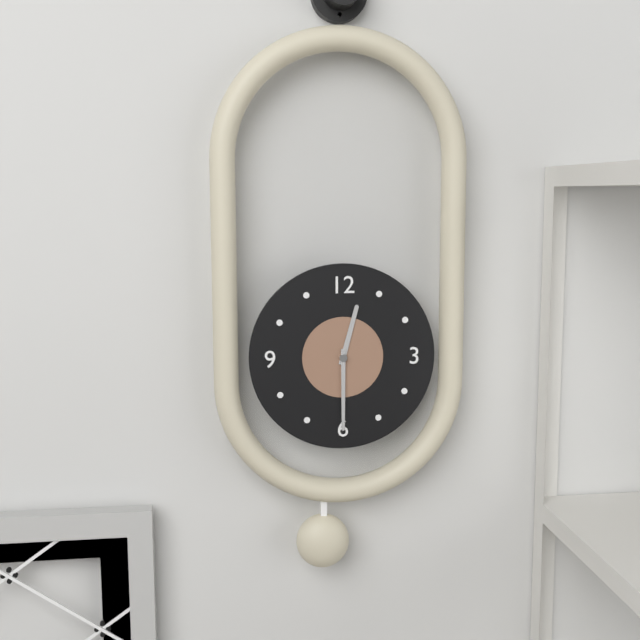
12:30
